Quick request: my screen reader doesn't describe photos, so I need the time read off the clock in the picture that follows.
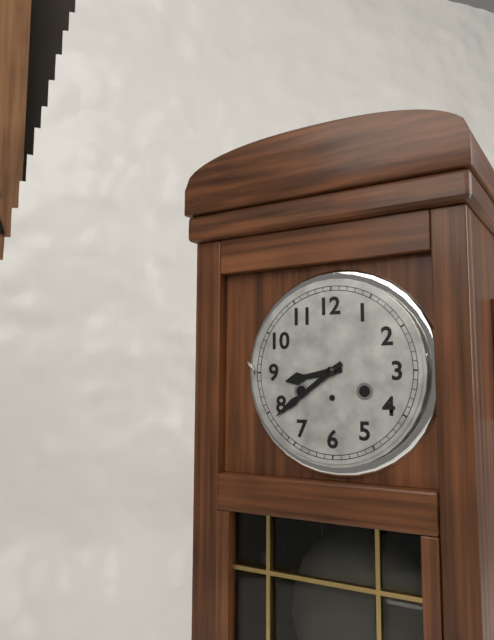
8:39
